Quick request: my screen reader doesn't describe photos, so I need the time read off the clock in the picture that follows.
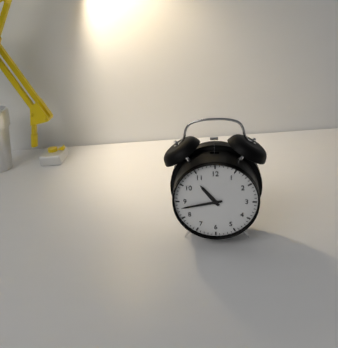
10:43
